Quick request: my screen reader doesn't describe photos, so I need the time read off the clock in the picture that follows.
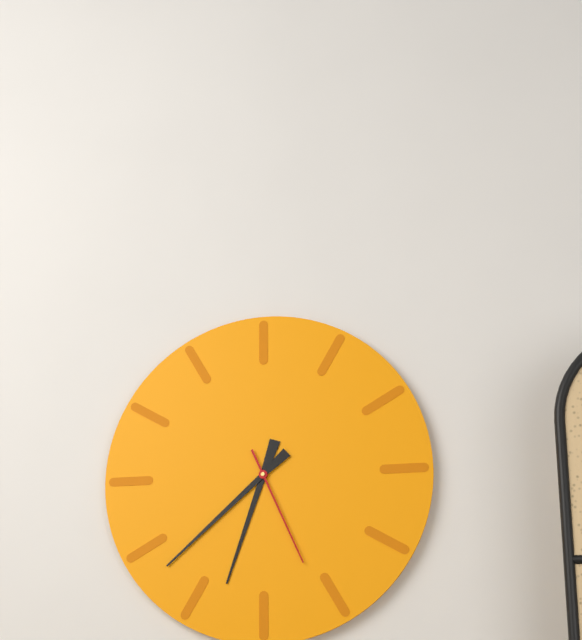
6:38:26
